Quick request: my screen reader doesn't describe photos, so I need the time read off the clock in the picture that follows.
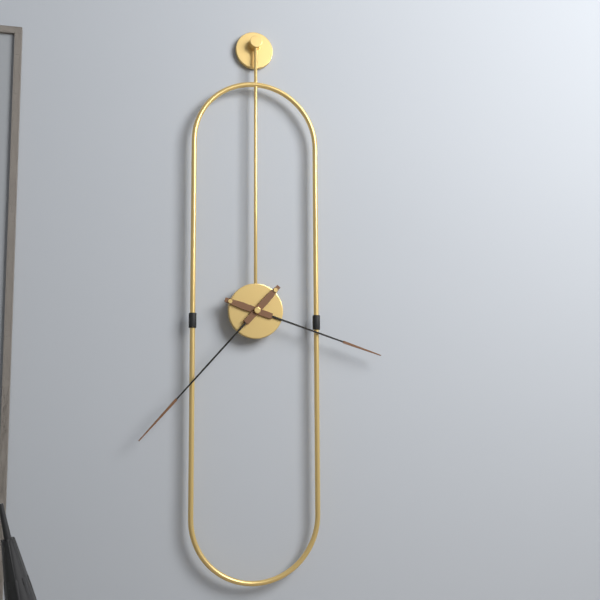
3:37
